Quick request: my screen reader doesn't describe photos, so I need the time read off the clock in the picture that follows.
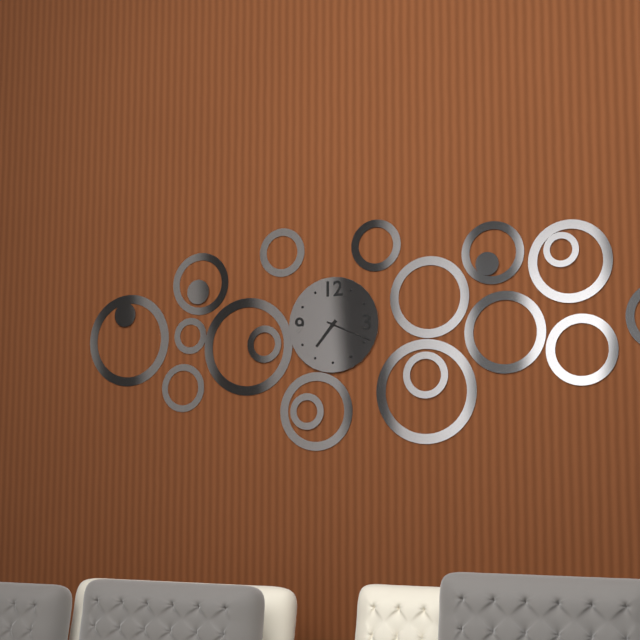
7:19
